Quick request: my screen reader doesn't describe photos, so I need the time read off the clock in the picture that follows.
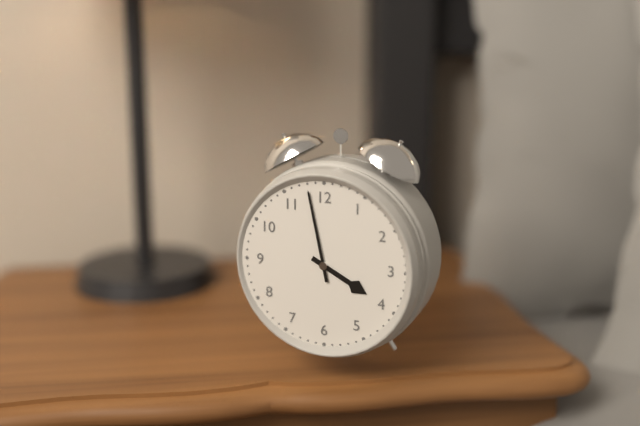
3:58
